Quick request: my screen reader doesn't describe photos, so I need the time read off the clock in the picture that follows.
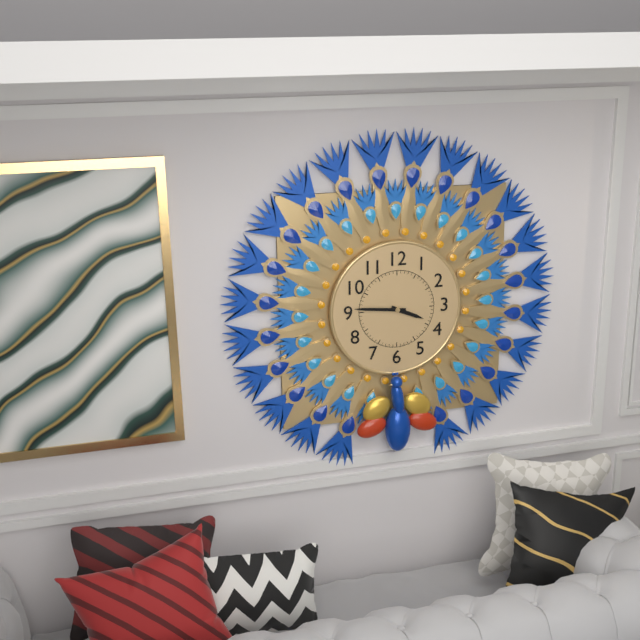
3:46
